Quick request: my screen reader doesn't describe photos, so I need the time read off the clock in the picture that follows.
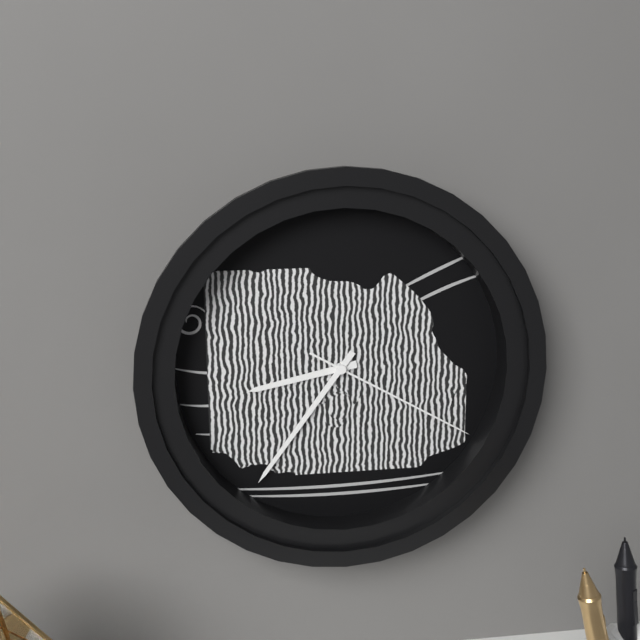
8:36:20
